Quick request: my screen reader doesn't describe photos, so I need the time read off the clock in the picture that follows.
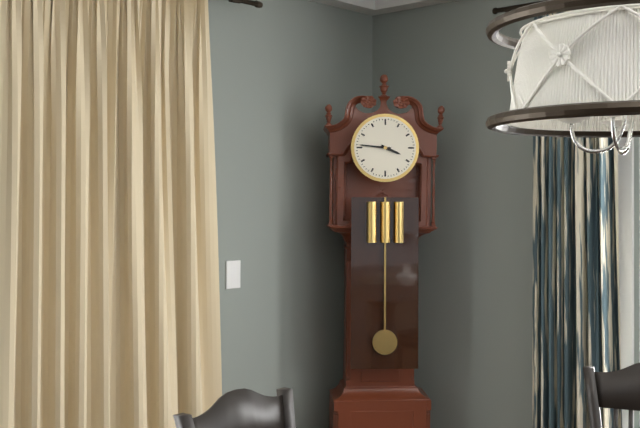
3:46
